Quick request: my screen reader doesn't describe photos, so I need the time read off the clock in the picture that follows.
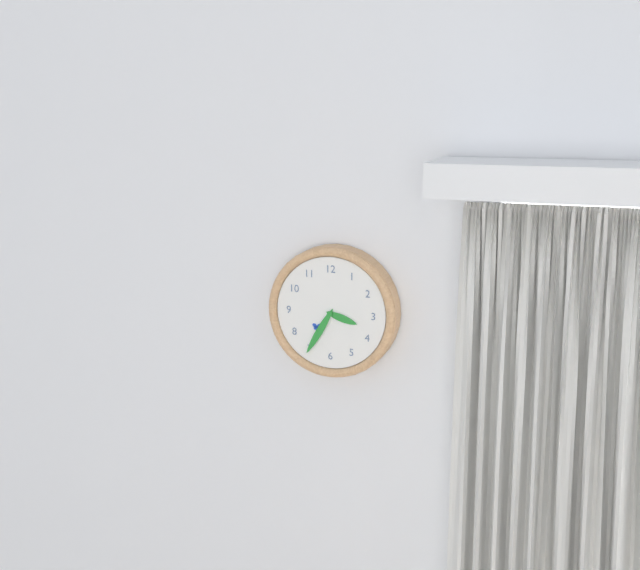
3:35
